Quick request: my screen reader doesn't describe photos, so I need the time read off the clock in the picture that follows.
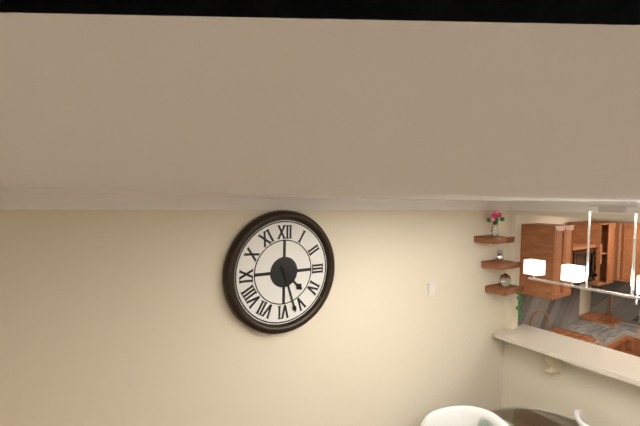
4:27
